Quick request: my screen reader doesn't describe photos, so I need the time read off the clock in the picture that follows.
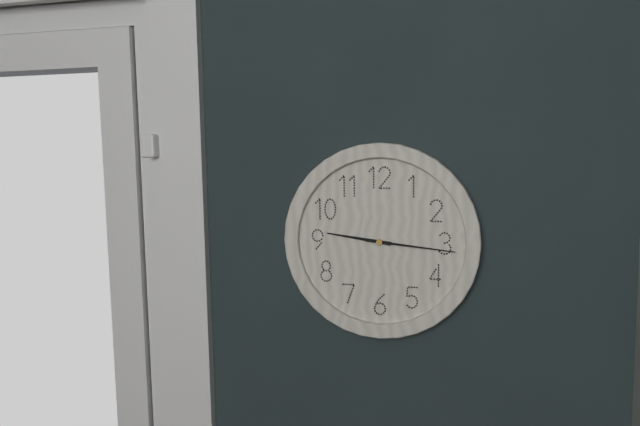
9:16
